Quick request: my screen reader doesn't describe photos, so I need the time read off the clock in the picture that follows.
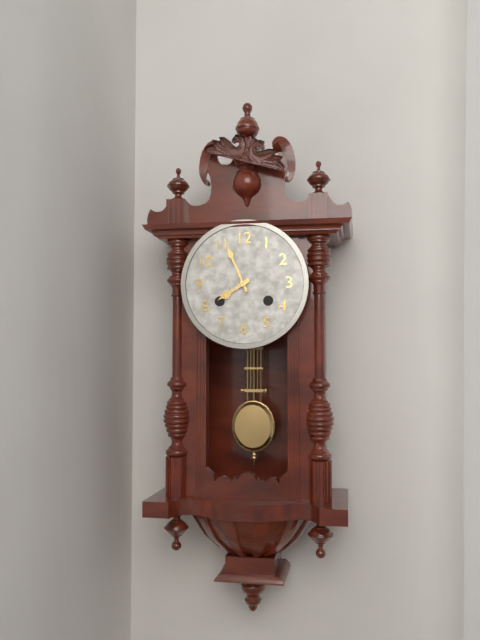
7:56
